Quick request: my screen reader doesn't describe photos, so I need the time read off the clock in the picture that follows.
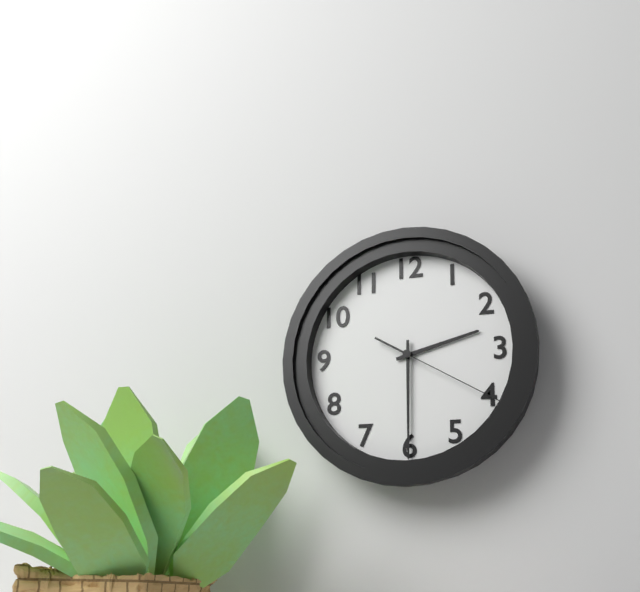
2:30:20
